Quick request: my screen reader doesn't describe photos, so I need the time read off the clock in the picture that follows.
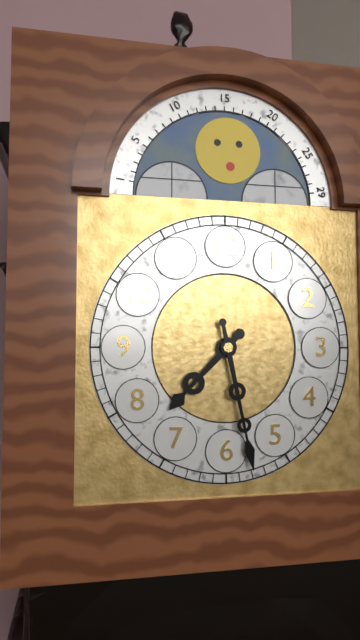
7:28
